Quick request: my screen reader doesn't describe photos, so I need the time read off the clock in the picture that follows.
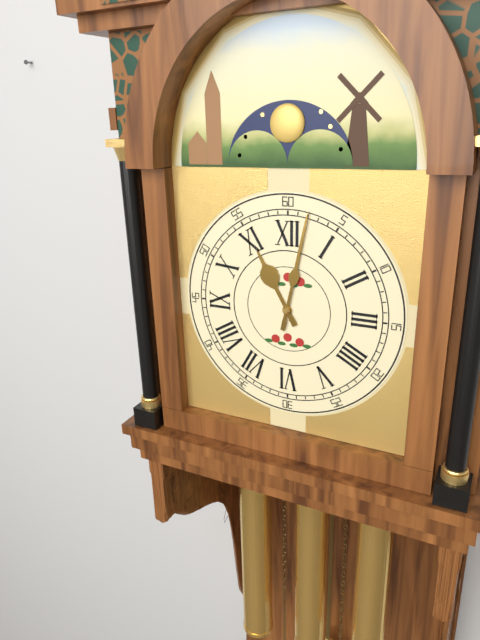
11:02
